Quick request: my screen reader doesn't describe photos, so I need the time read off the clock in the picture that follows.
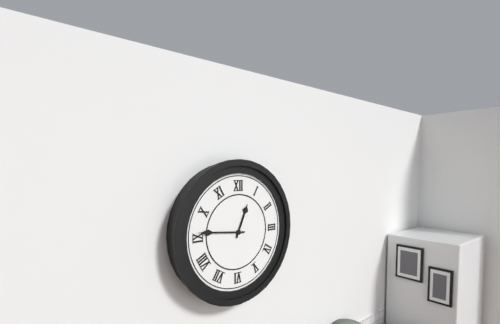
12:46
